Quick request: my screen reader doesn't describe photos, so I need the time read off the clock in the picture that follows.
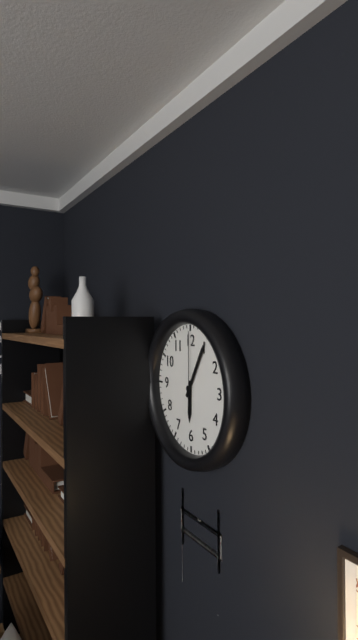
6:05:00
